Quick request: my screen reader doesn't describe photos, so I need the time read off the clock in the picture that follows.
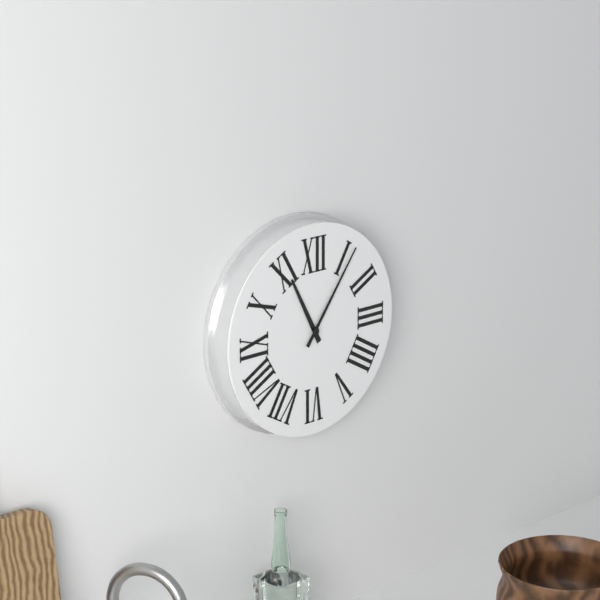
11:06
